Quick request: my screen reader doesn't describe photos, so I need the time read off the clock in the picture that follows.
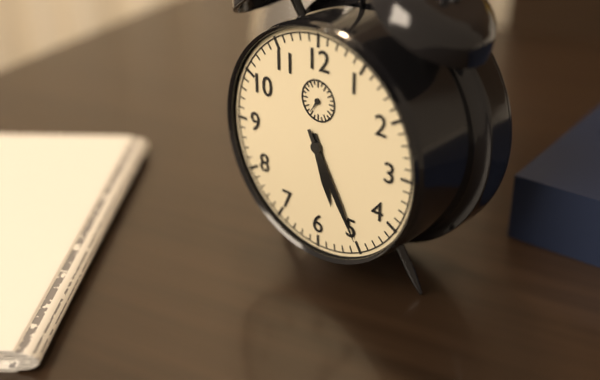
5:25
